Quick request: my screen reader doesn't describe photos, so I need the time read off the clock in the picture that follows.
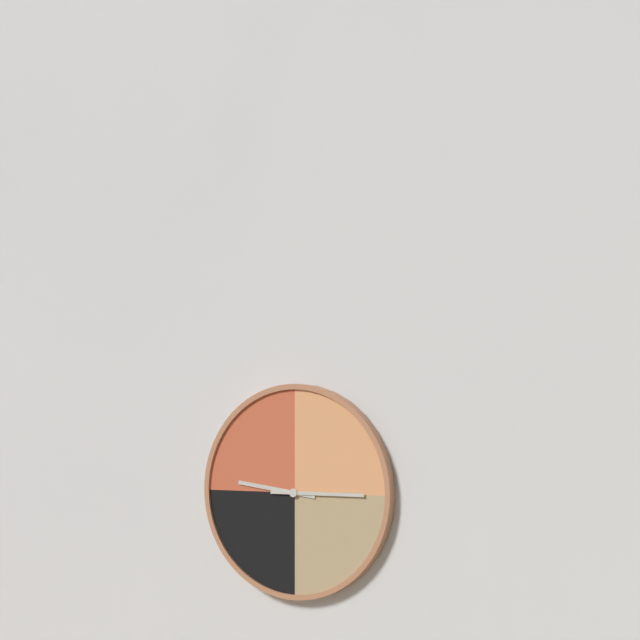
9:15
